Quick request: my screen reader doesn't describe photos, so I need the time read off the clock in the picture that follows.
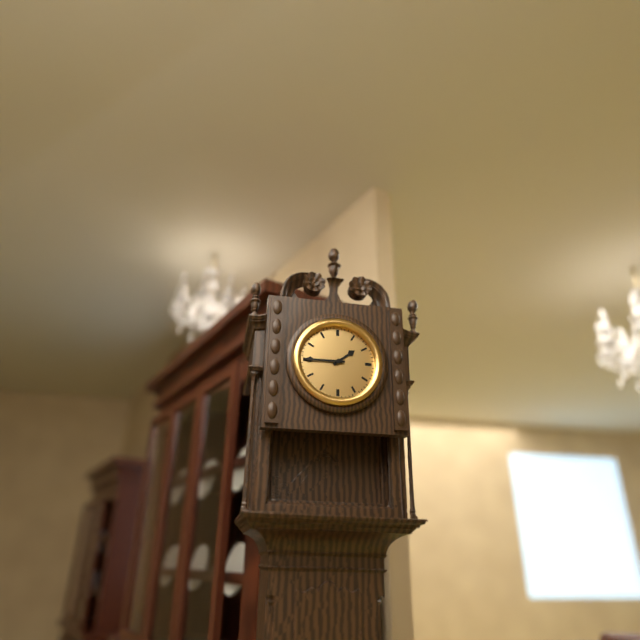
1:45
